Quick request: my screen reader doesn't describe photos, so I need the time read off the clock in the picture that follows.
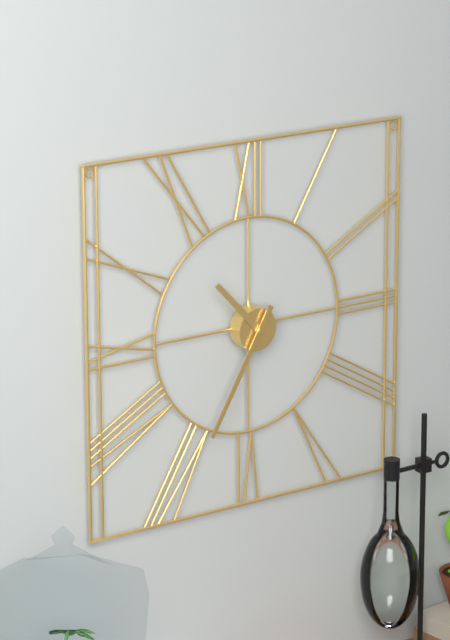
10:35
